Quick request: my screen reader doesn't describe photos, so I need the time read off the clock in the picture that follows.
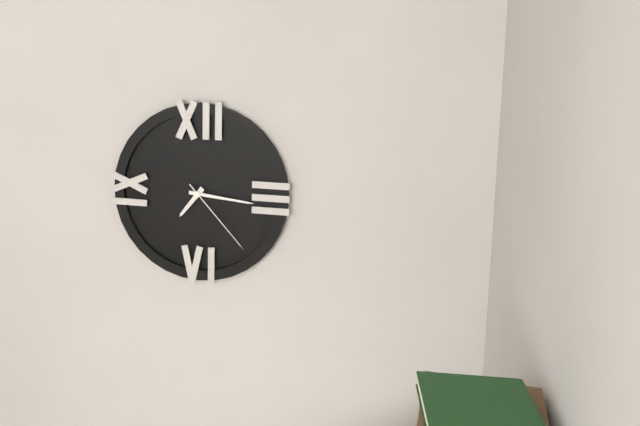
7:16:23
